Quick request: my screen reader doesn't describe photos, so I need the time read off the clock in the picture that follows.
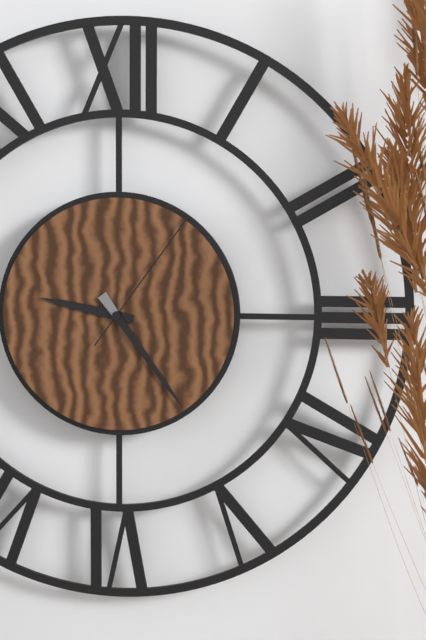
9:24:06
